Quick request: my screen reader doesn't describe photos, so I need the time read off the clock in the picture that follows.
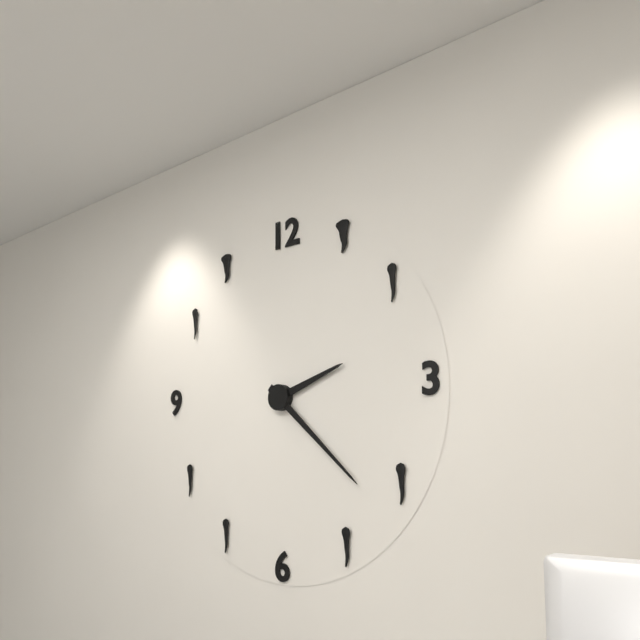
2:22
